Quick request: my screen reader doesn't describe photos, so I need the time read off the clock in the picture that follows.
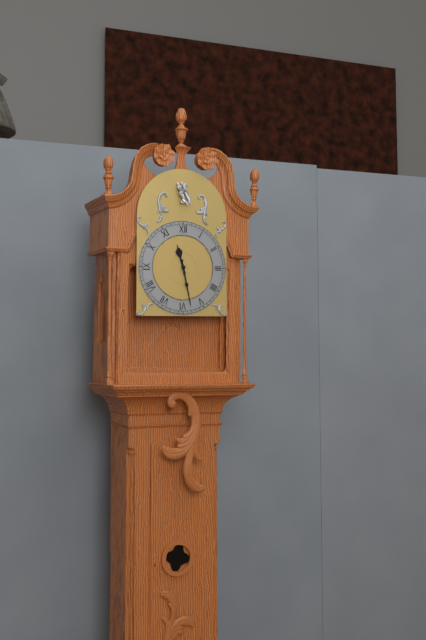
11:28
